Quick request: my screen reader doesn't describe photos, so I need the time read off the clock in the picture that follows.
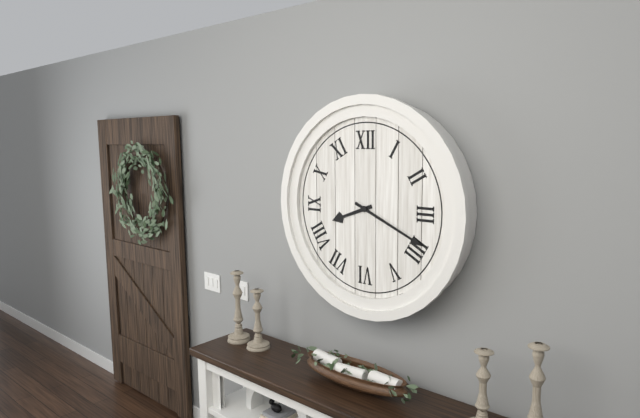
8:19
